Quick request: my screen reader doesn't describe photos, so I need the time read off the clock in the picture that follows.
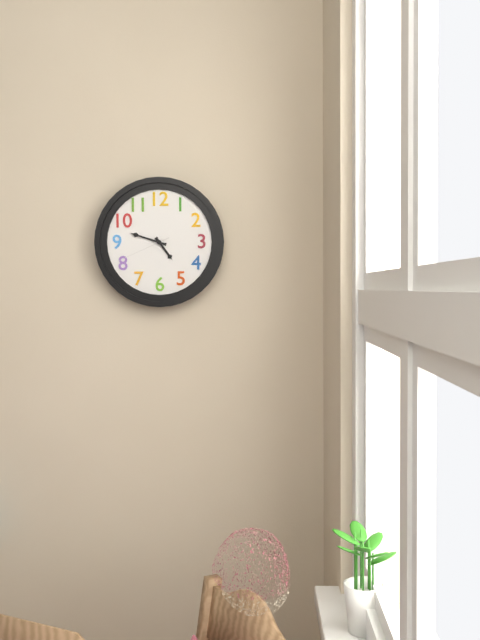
4:48:41
